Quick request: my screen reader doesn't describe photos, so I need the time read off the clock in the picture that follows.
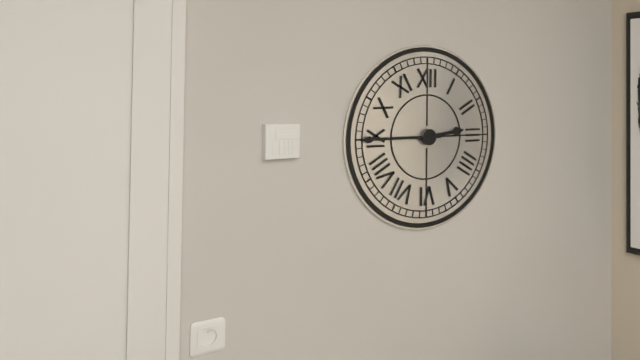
2:45
